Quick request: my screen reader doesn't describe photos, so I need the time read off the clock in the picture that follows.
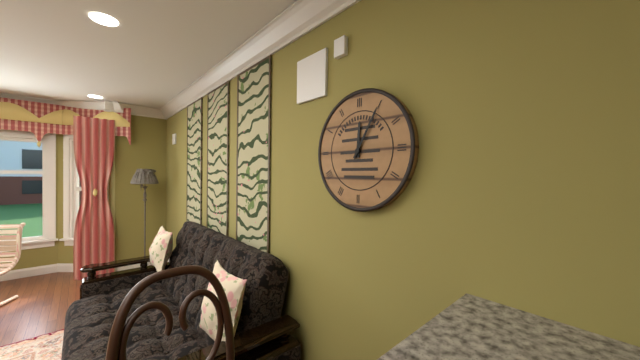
12:05
